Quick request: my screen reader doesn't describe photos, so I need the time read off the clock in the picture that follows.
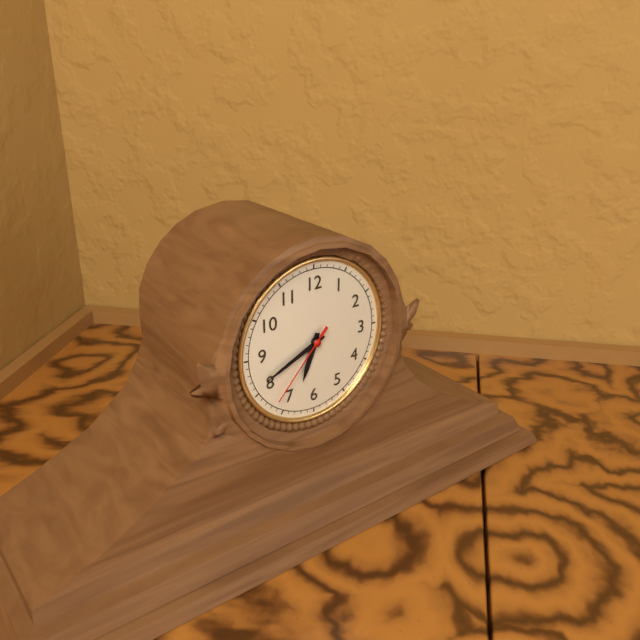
6:41:37
